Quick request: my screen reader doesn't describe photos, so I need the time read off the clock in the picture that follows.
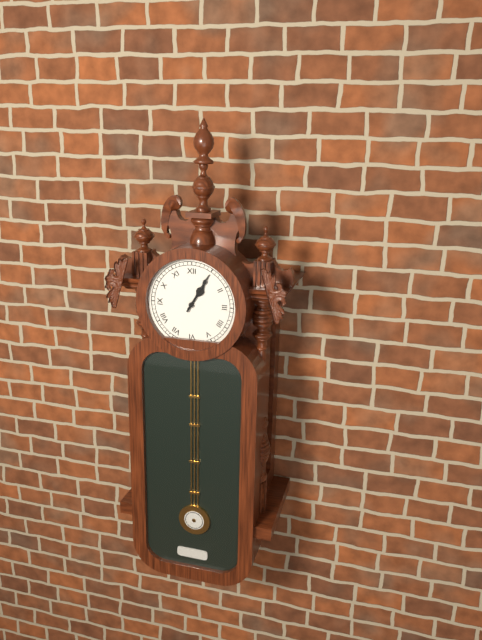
1:05
